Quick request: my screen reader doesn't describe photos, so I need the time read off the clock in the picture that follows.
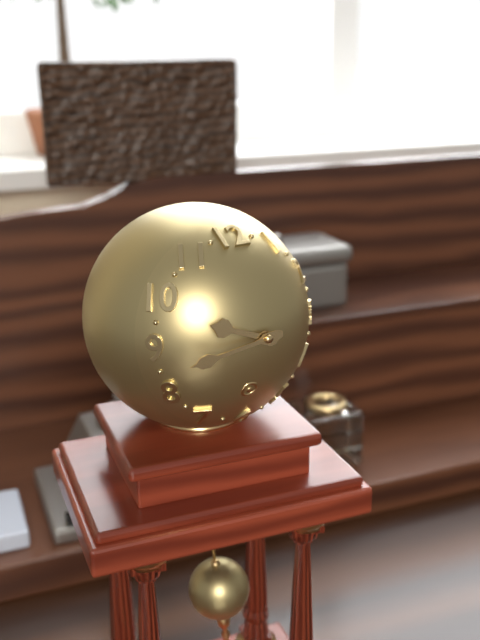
9:44
